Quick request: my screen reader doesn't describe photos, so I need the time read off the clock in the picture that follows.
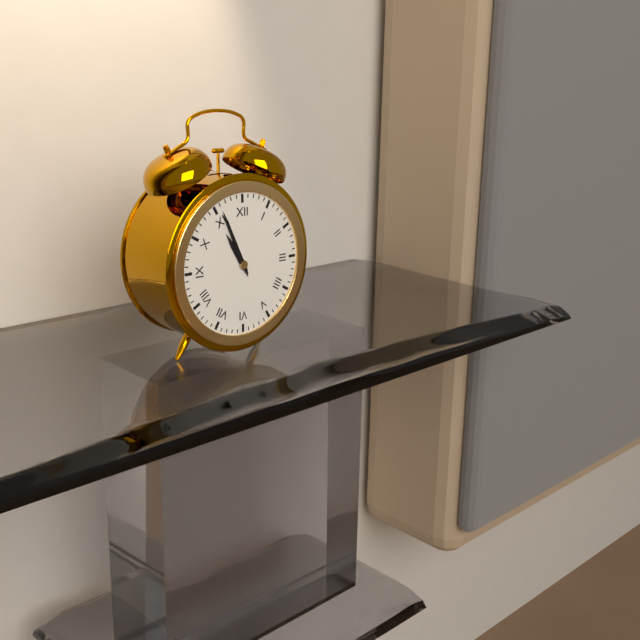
10:56
